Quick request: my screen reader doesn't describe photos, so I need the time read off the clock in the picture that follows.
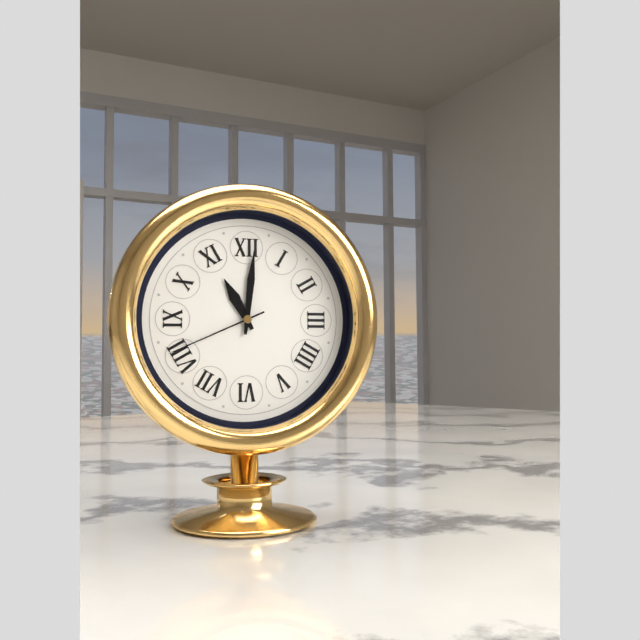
11:01:41
